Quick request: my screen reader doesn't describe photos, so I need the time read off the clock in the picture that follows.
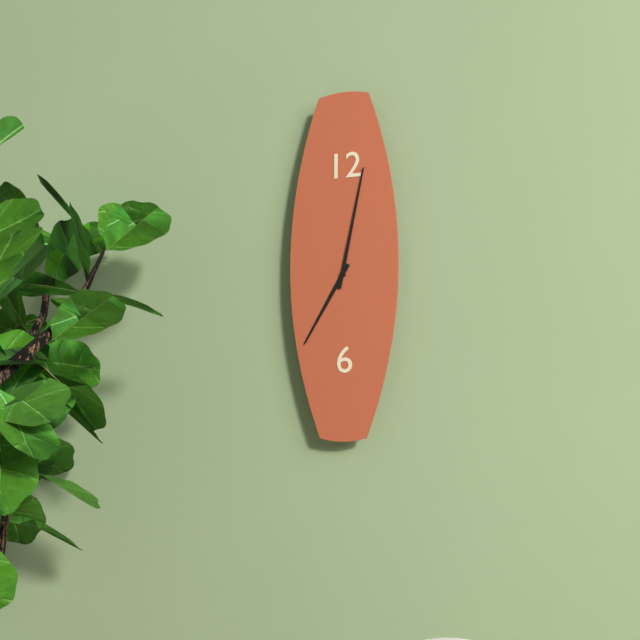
7:02
